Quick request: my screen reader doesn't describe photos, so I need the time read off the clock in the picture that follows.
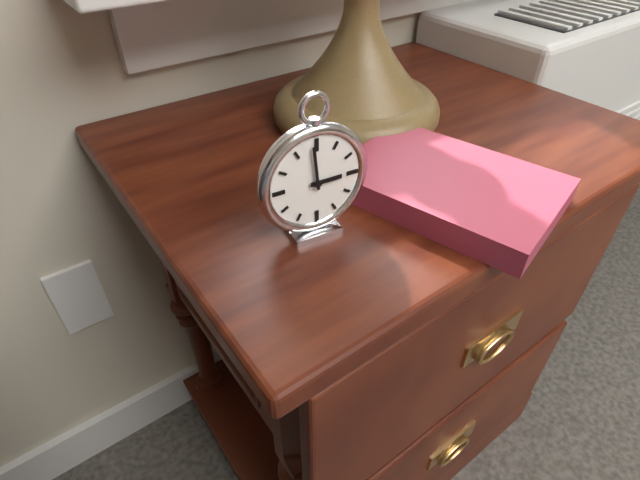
2:59
